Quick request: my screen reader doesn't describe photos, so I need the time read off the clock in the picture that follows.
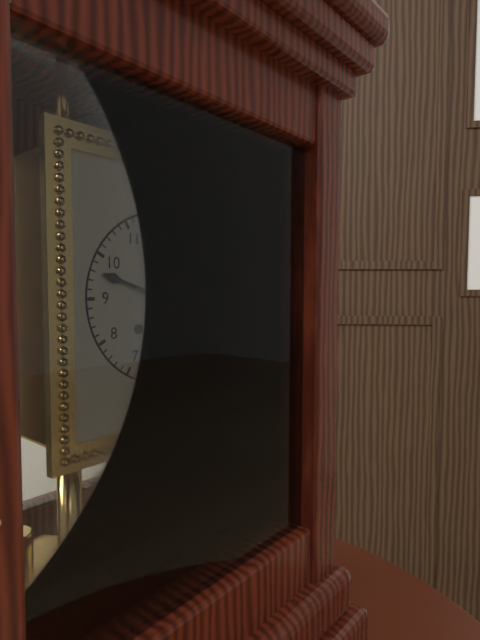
3:48
